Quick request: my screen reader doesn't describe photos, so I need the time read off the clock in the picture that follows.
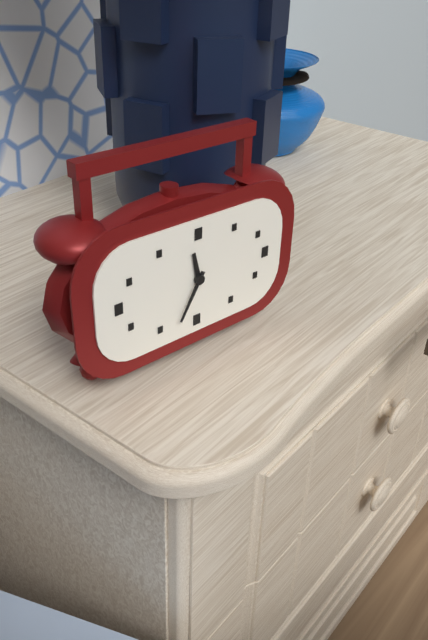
11:35
